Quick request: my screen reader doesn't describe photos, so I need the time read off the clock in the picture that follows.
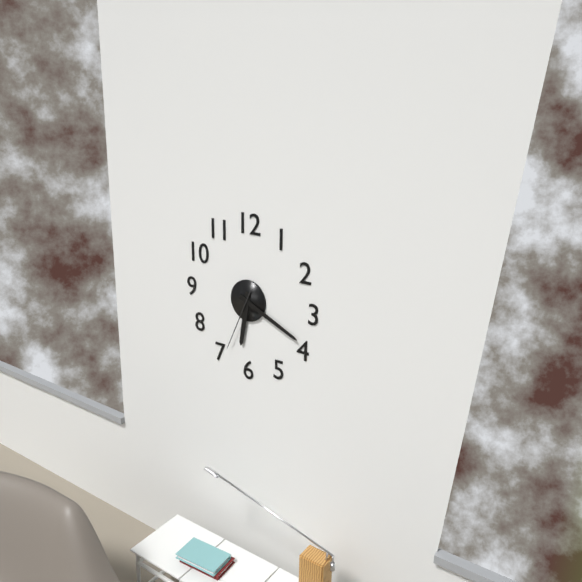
6:19:34
